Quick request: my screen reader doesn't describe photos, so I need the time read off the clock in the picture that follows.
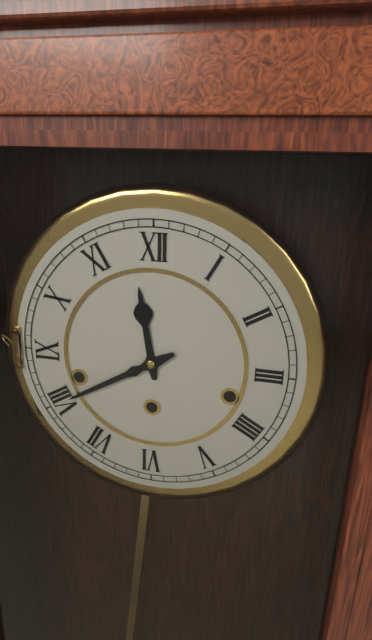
11:40
